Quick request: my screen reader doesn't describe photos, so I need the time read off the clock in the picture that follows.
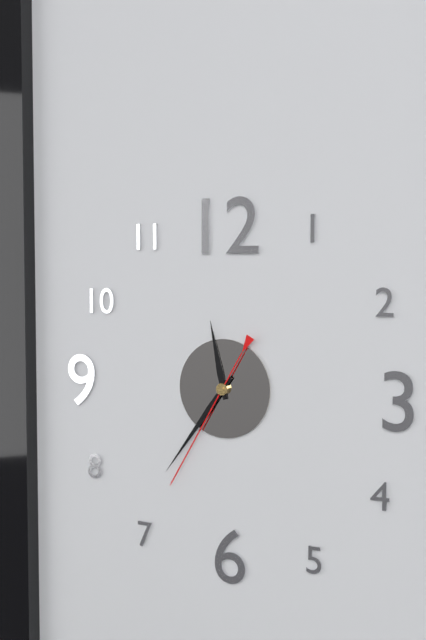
11:36:35
